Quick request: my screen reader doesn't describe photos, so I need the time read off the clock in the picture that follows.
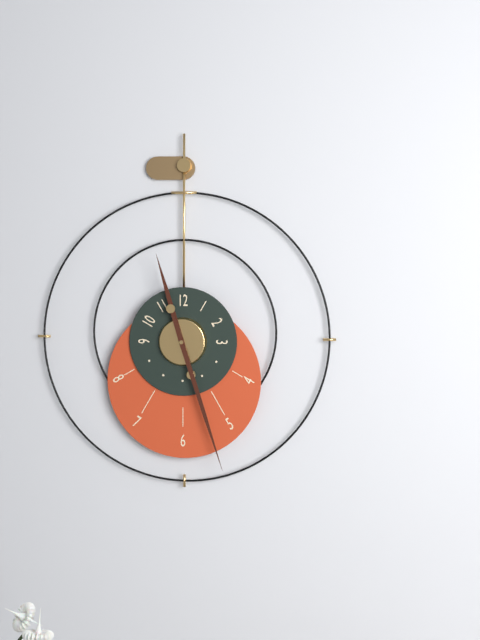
11:27
